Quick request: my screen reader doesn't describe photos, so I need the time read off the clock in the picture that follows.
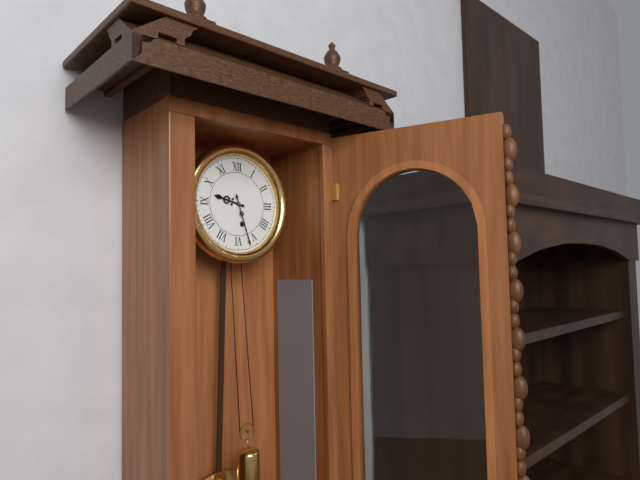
9:27
